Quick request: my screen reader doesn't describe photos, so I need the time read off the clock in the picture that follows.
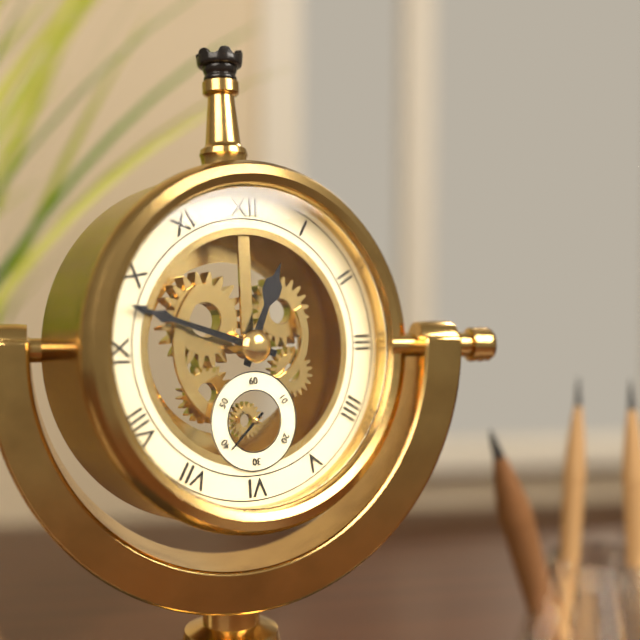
12:48
